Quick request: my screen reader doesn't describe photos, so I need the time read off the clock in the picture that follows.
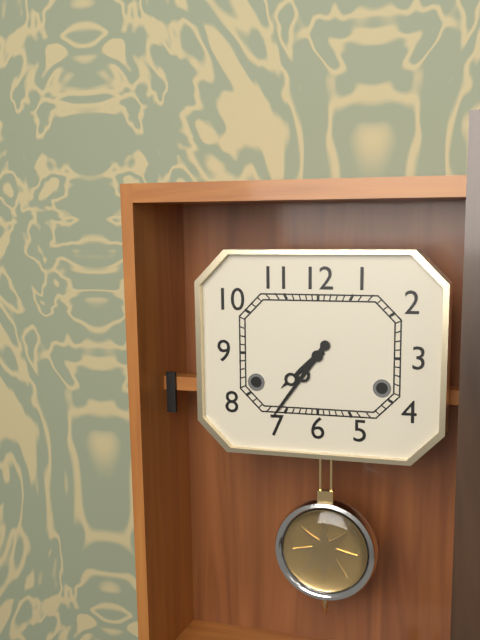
7:36
